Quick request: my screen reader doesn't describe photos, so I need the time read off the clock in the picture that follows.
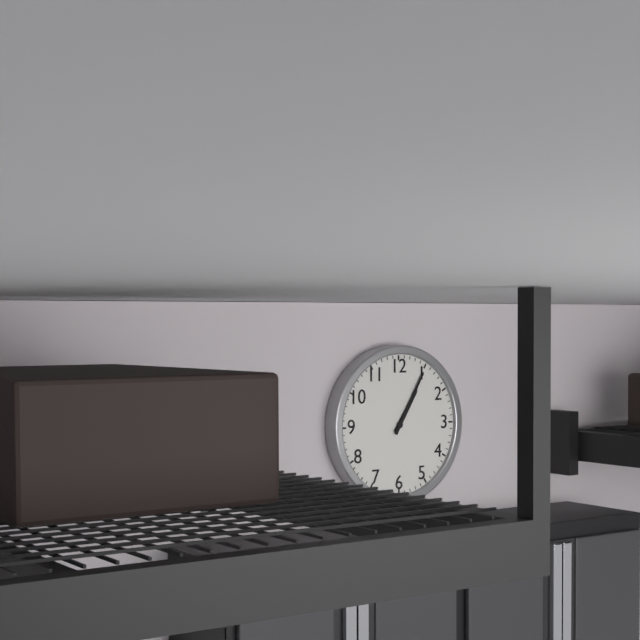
1:05
